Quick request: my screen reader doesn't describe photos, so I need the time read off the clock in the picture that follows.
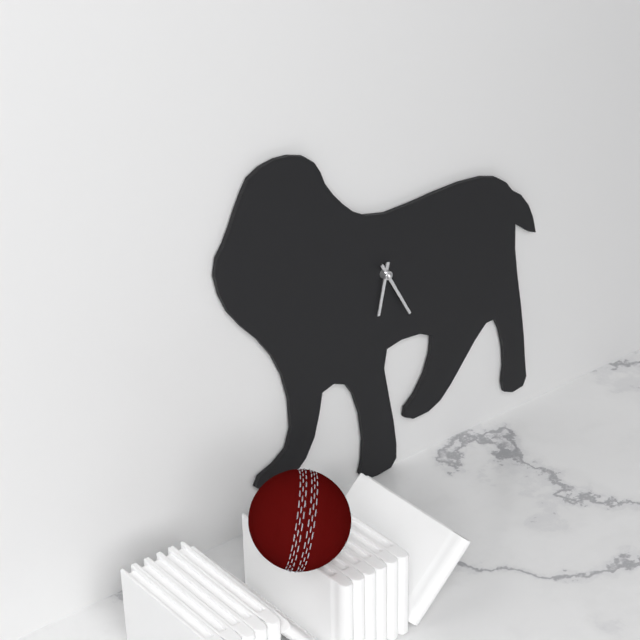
6:25
